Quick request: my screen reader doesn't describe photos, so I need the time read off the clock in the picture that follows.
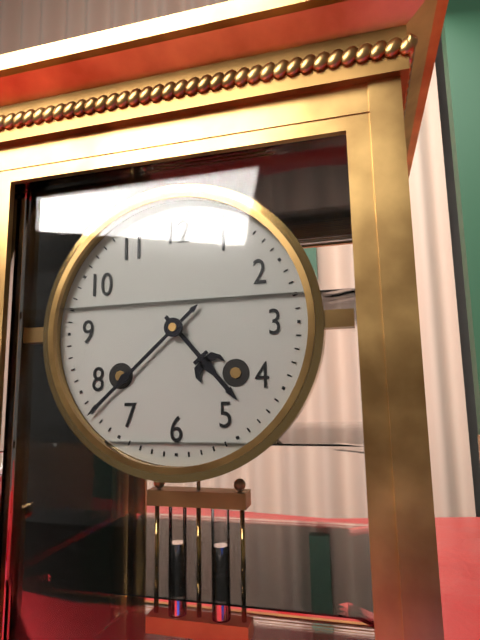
4:38
